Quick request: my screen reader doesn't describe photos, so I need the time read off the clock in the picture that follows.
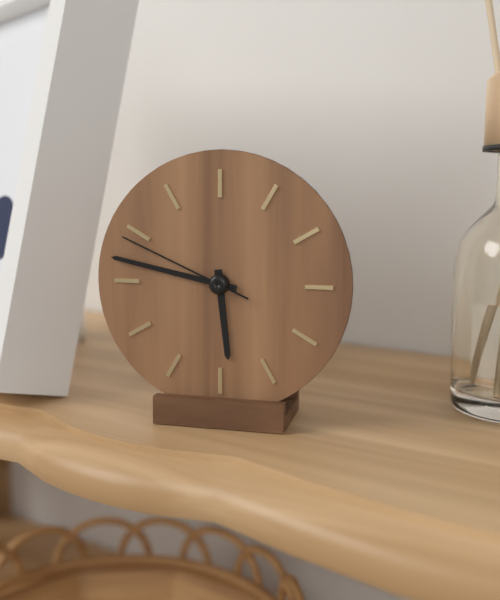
5:47:49
